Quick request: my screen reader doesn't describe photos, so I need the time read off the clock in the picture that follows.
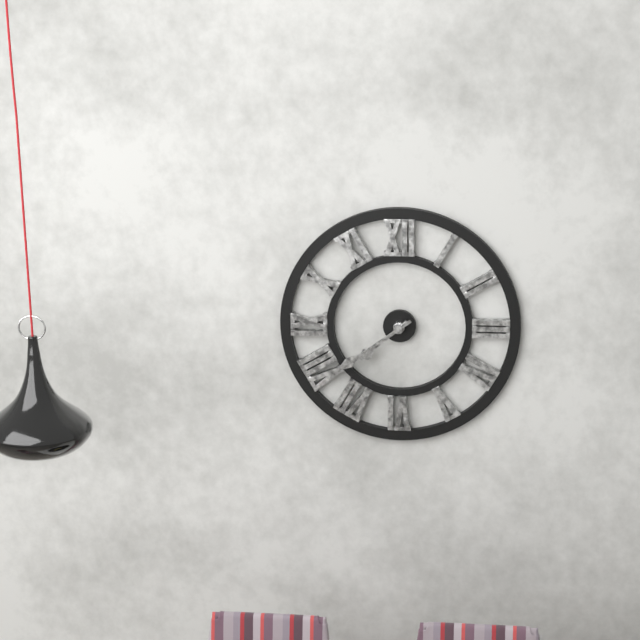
7:39
